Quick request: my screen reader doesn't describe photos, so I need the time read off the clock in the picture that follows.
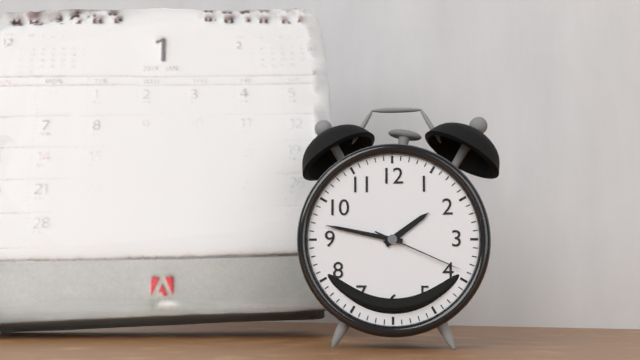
1:47:19
